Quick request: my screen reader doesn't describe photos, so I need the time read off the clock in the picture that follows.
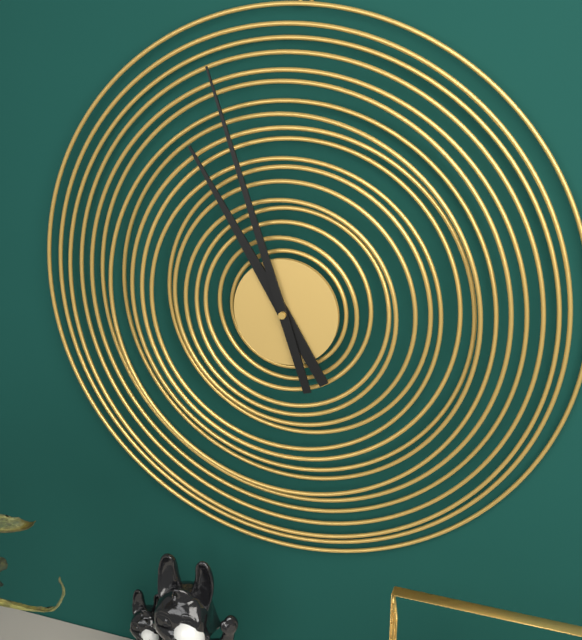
10:57
